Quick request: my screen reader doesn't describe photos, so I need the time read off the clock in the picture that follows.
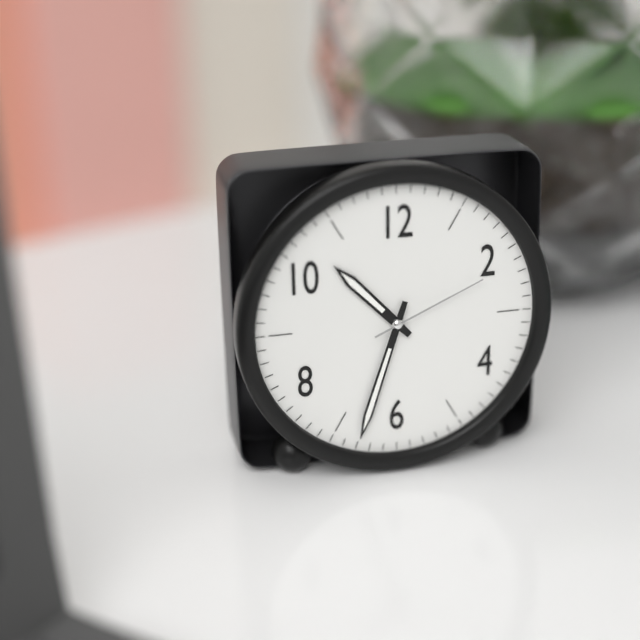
10:33:11
